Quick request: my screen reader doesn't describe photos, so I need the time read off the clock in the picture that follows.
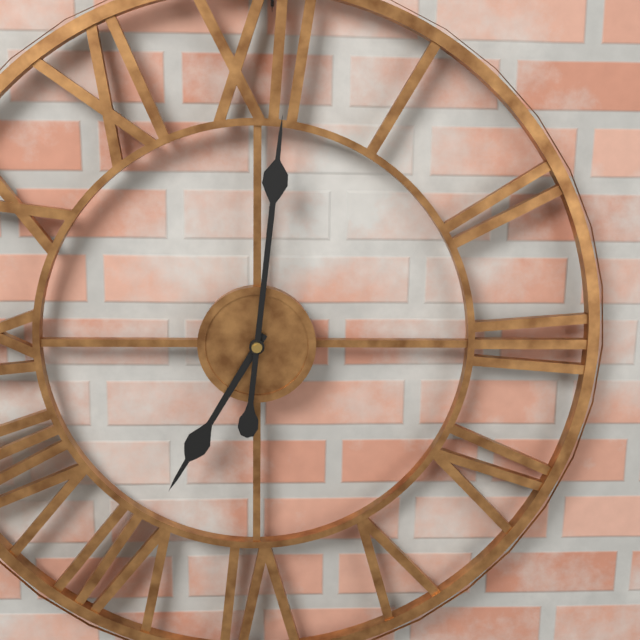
7:01
